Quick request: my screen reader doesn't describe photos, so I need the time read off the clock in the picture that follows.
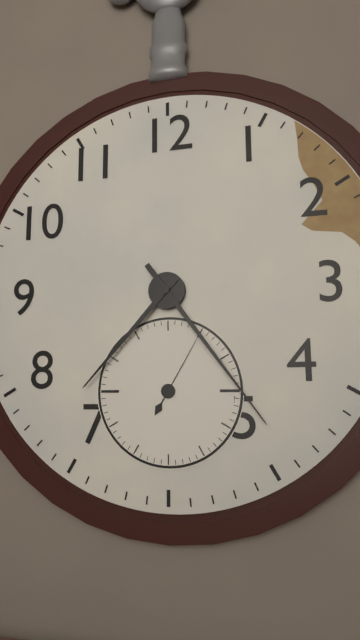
7:24:05
